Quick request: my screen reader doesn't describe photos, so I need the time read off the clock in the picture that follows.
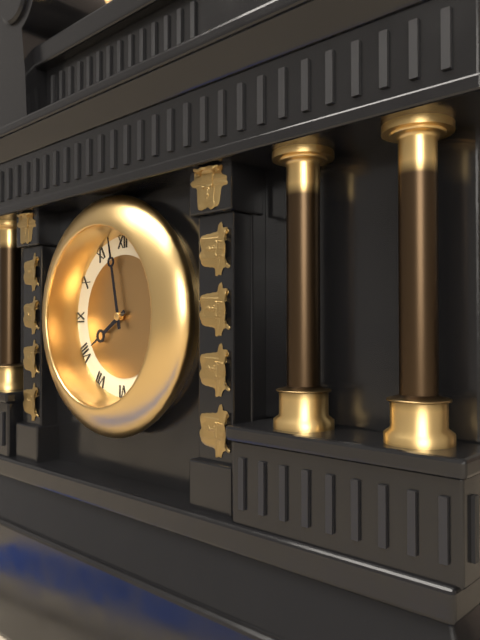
7:58
